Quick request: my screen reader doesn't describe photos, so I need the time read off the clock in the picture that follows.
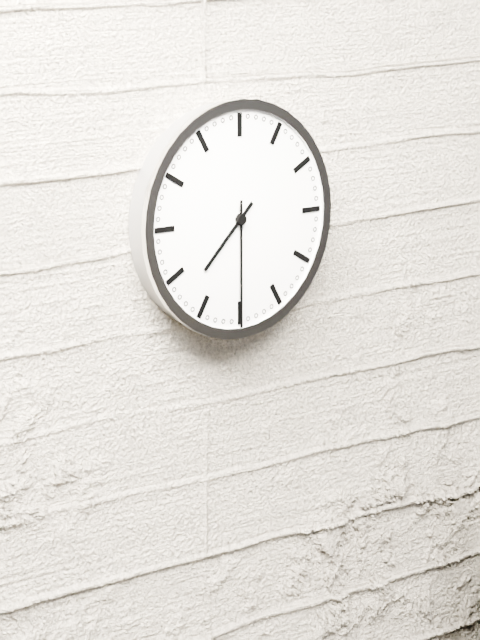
7:30
